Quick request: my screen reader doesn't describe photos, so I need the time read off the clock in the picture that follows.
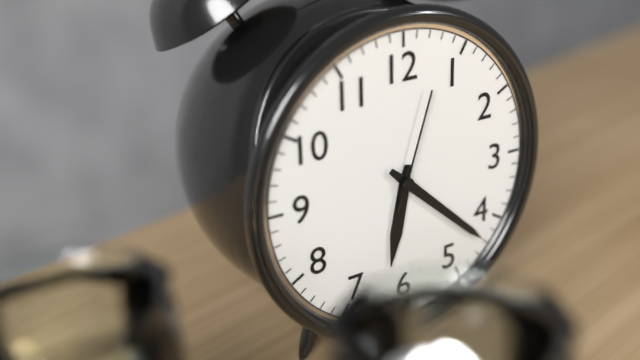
6:22:03
